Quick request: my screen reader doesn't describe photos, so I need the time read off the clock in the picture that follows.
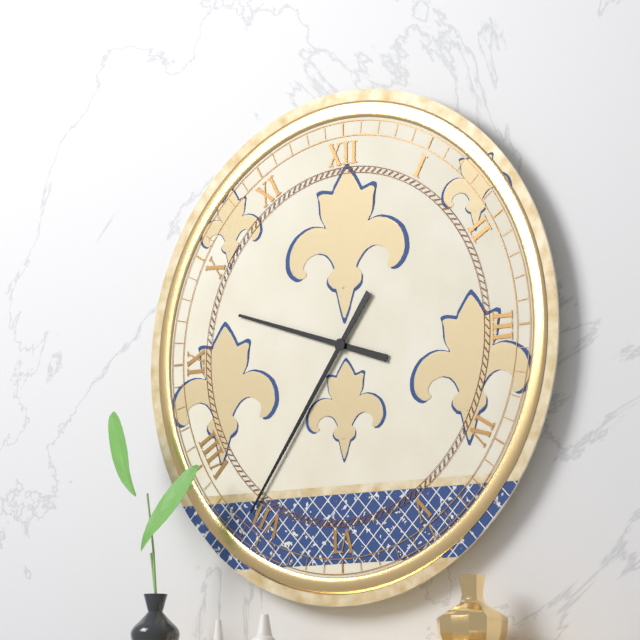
9:36
